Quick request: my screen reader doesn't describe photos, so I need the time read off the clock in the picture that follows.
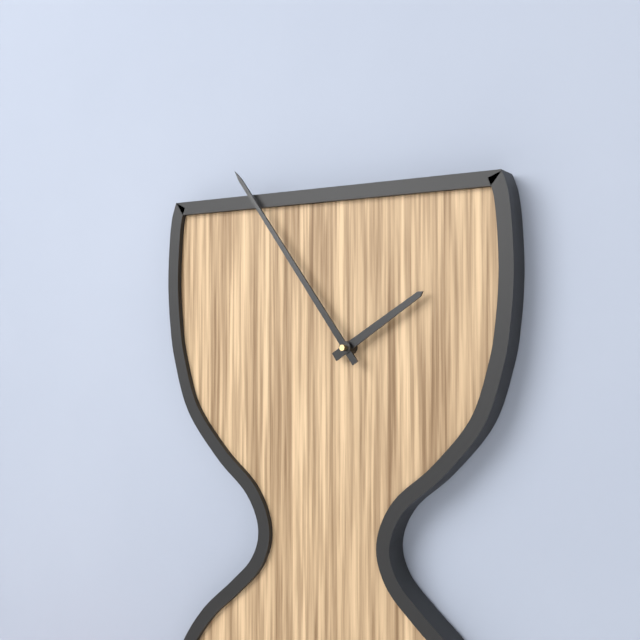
1:54
